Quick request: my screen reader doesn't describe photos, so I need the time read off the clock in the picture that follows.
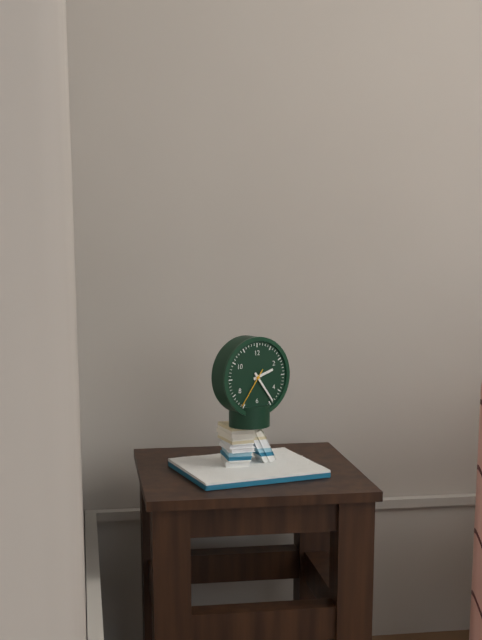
2:24
